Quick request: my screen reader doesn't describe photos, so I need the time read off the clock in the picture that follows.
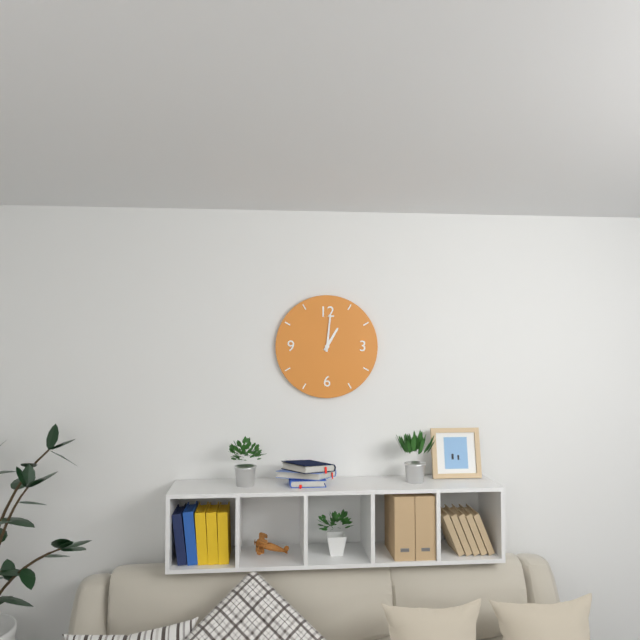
1:01
